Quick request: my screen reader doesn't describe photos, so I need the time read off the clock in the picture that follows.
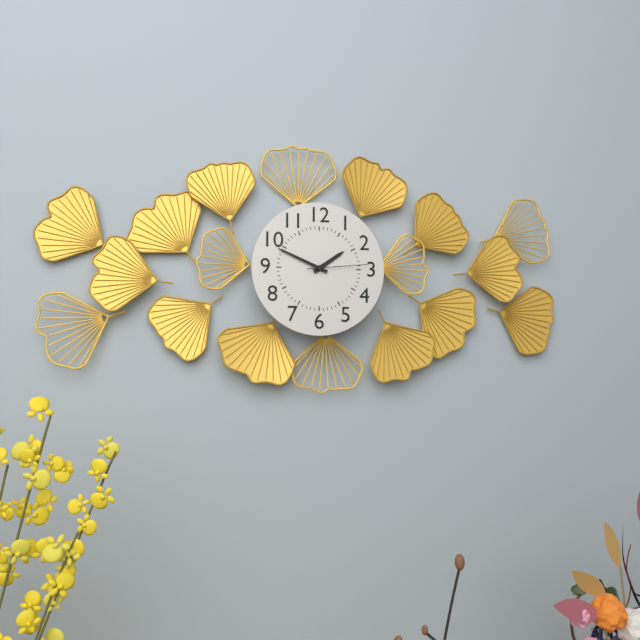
1:49:14
